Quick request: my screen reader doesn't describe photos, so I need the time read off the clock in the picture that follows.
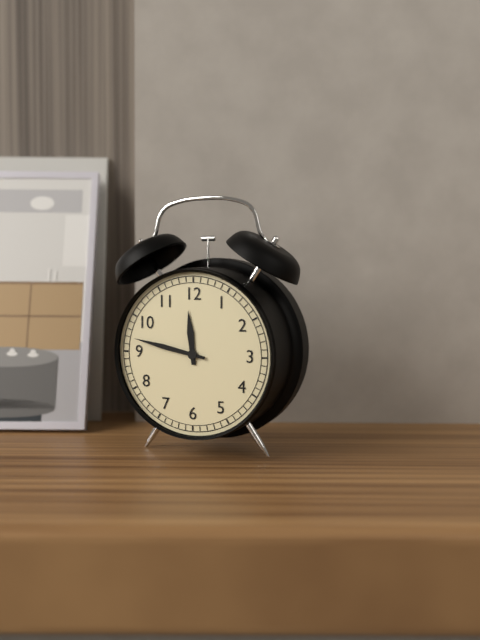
11:47
